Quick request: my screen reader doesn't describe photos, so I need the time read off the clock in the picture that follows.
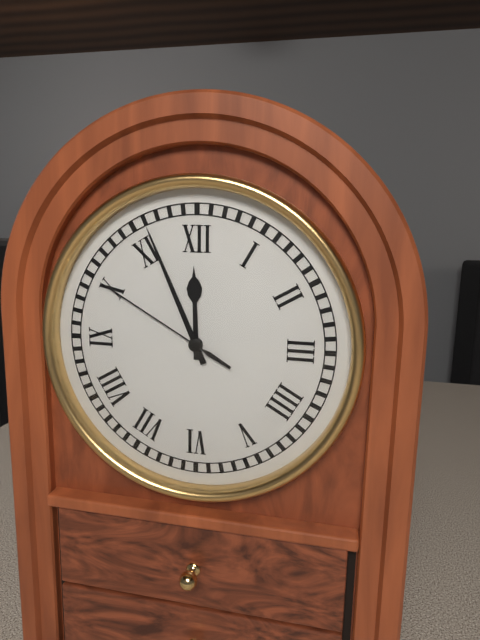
11:56:50
